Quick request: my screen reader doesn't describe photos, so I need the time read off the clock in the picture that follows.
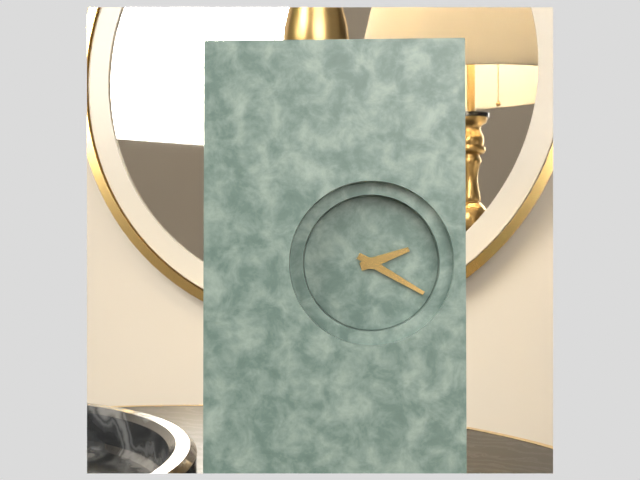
2:20
